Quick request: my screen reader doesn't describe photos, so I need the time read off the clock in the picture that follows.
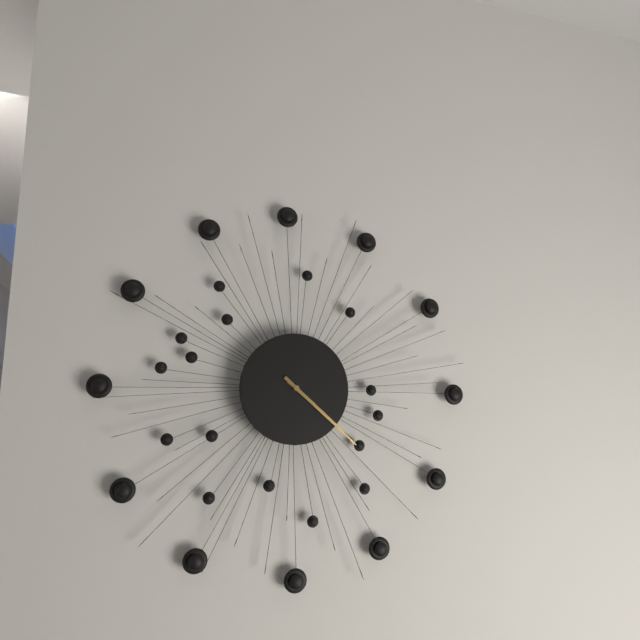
4:22
